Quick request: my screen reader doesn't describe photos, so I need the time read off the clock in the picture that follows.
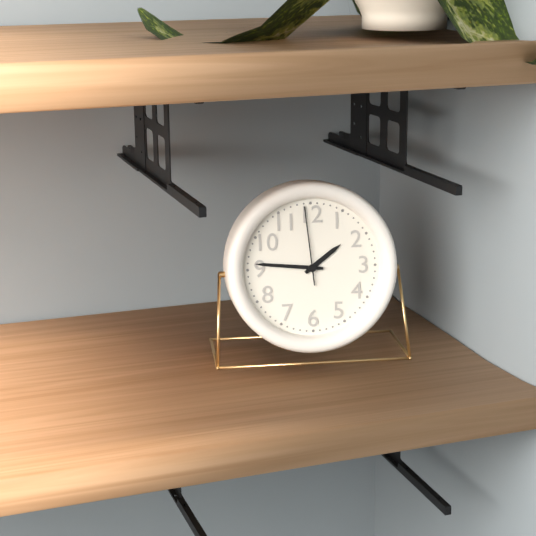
1:46:59
